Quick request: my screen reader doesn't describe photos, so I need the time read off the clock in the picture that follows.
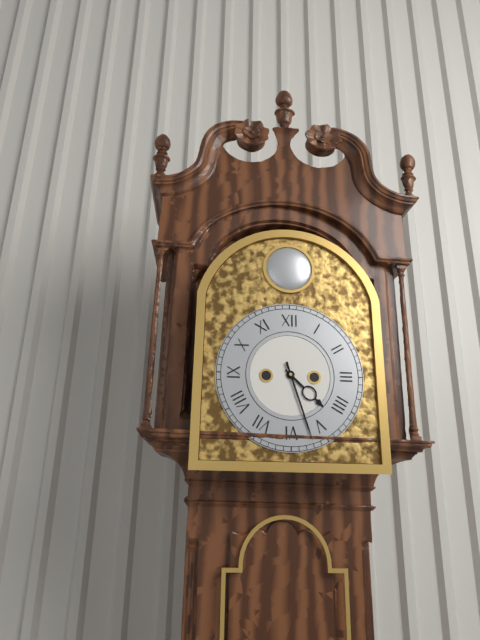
4:27
